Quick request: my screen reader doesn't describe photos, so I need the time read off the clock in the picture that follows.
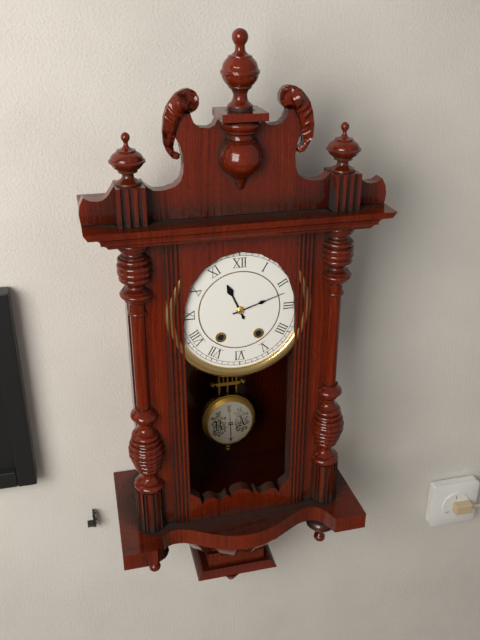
11:12
